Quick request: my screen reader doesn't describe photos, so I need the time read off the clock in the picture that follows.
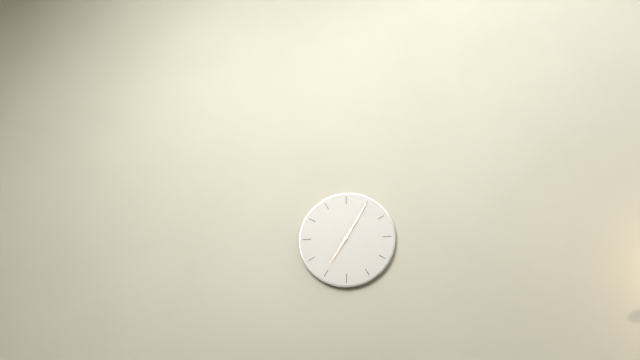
7:05
